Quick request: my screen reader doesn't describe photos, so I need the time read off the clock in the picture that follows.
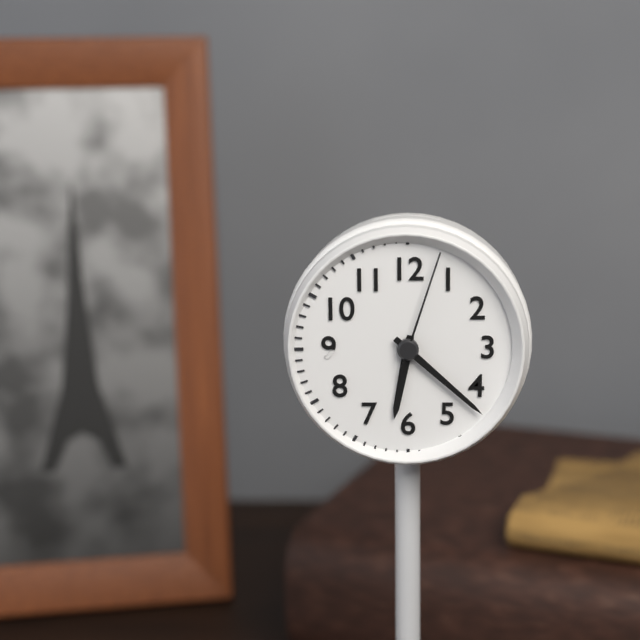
6:22:03
